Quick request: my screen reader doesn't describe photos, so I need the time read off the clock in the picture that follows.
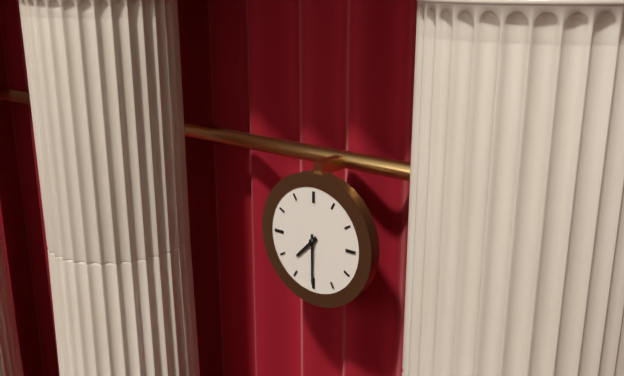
7:30
